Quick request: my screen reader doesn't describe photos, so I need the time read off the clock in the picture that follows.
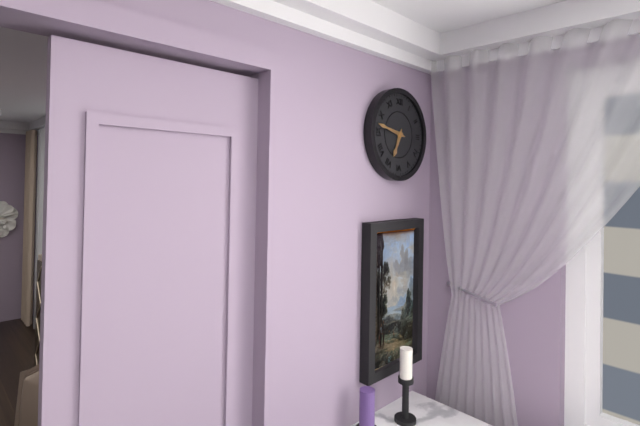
6:47
